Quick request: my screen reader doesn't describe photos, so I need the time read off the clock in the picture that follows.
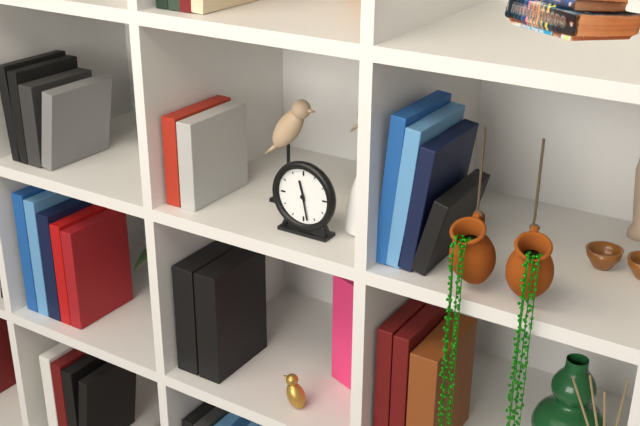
11:28
